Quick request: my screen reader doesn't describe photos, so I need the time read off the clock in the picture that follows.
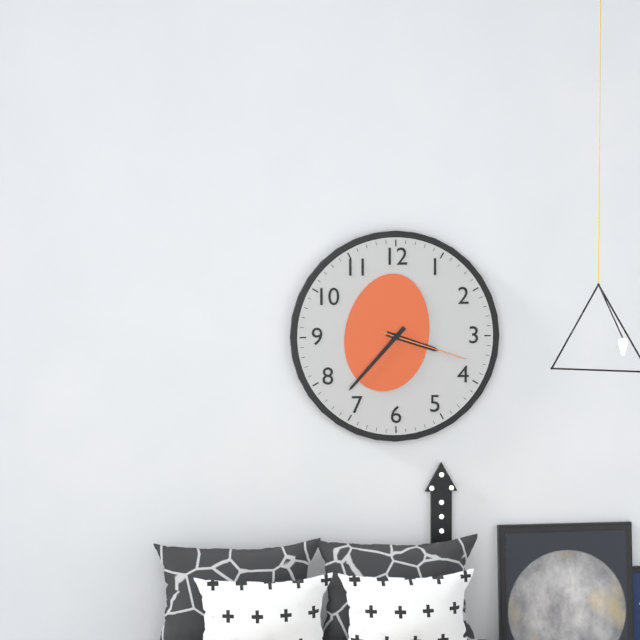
3:37:18
